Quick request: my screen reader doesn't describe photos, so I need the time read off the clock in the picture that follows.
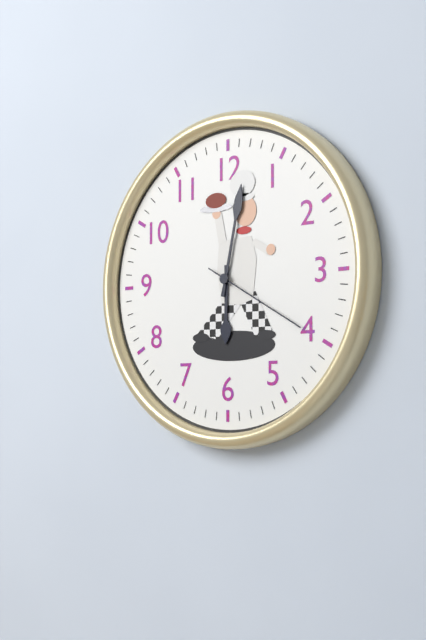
6:02:20
